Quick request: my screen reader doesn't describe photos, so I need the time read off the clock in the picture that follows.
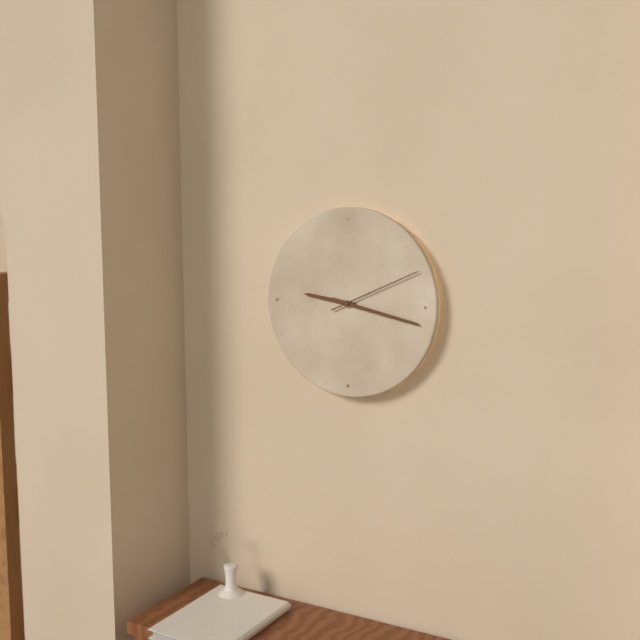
9:17:11
